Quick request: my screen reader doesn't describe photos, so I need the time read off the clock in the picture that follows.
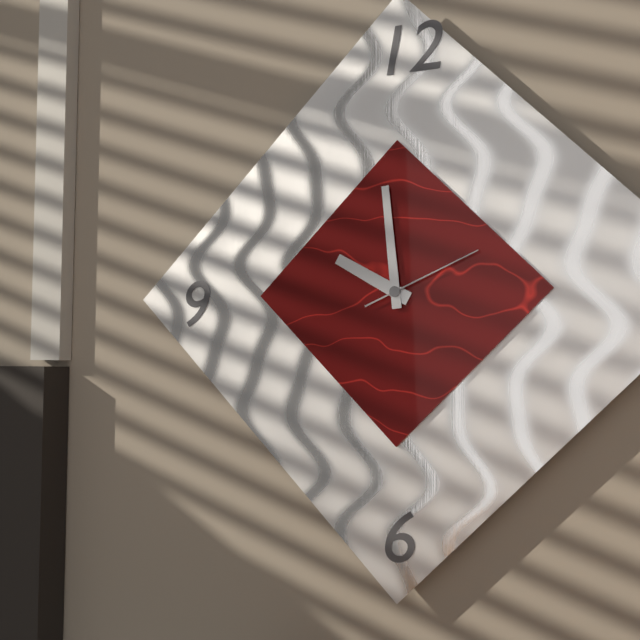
9:59:11
